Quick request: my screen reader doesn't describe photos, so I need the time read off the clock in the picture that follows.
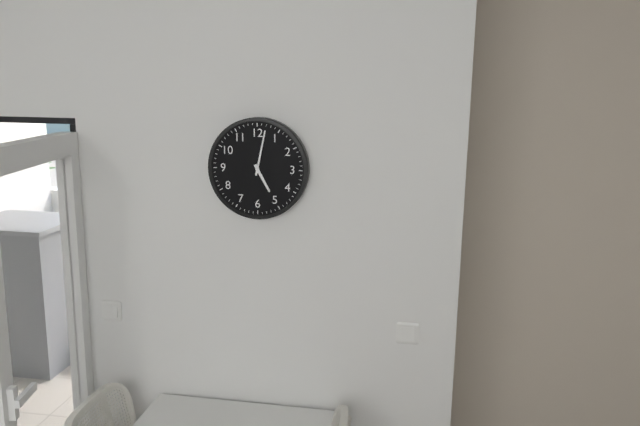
5:02
